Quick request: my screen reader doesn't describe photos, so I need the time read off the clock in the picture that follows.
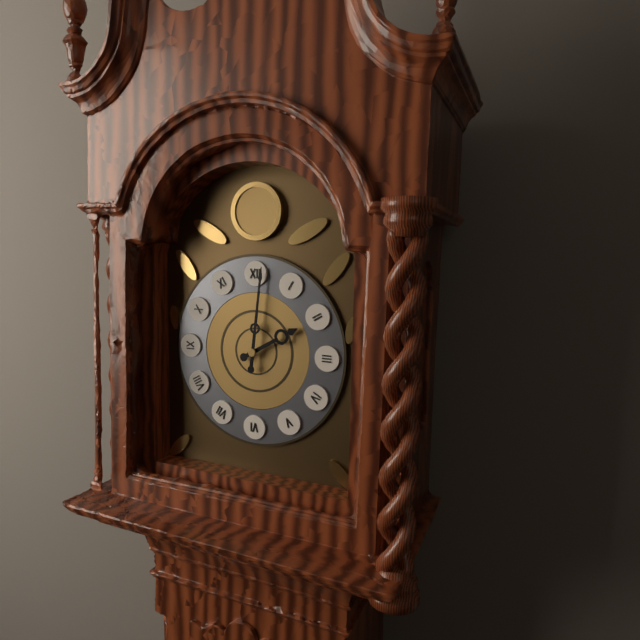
2:01
